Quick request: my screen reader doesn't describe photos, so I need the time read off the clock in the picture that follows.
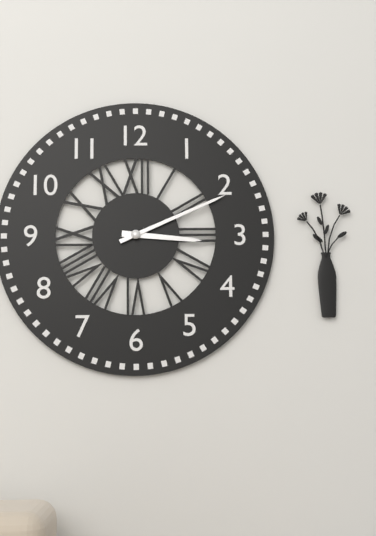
3:11
